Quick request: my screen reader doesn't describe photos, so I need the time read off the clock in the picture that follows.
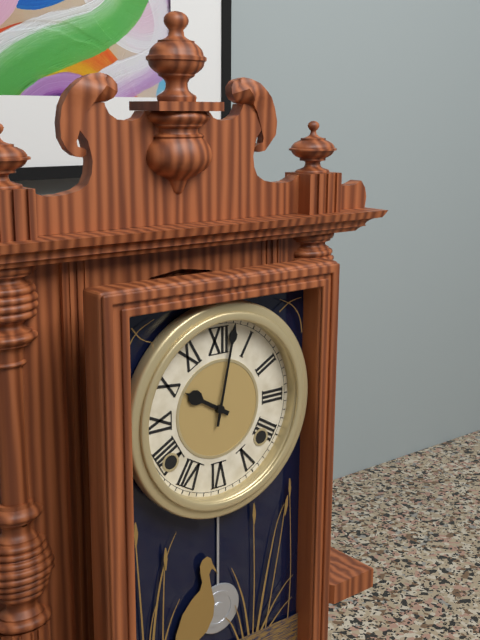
10:02
